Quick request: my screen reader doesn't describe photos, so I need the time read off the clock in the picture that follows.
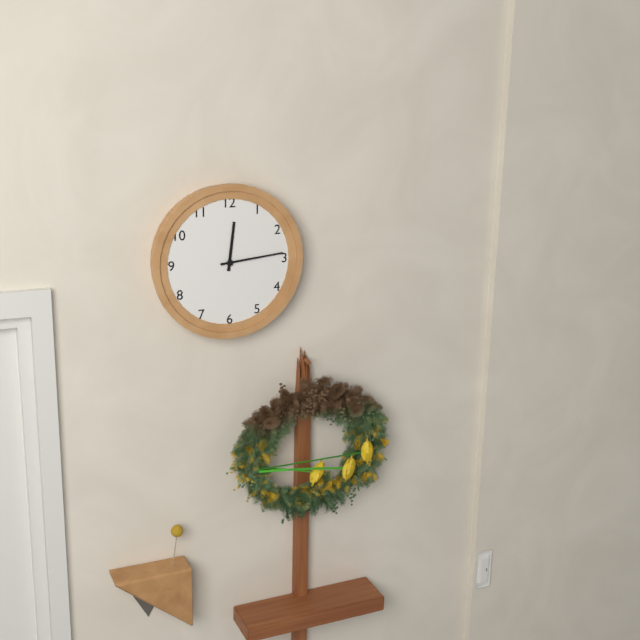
12:14
